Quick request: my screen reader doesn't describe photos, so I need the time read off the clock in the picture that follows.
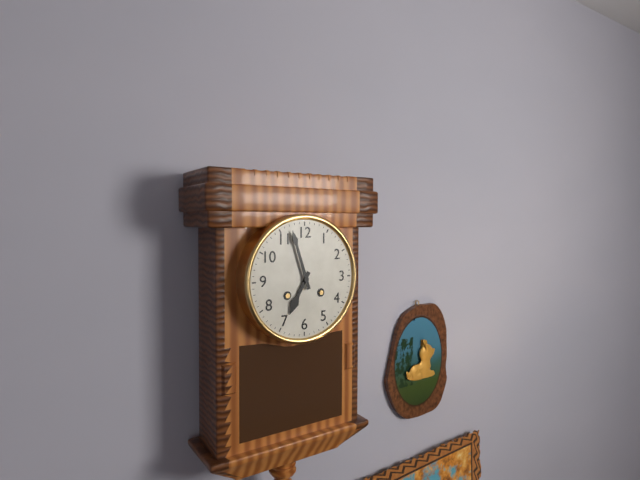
6:57
